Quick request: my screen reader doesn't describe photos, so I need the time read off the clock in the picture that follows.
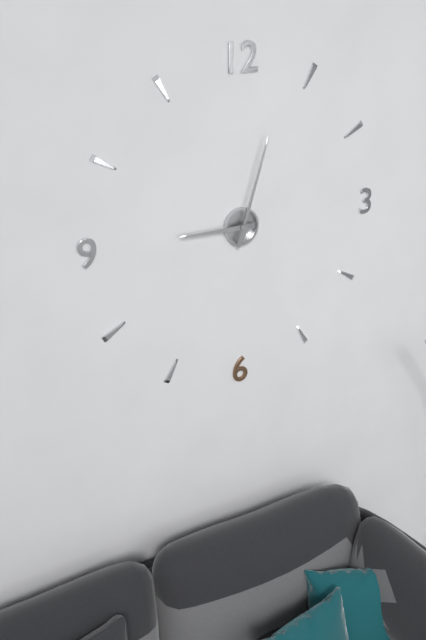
9:03
